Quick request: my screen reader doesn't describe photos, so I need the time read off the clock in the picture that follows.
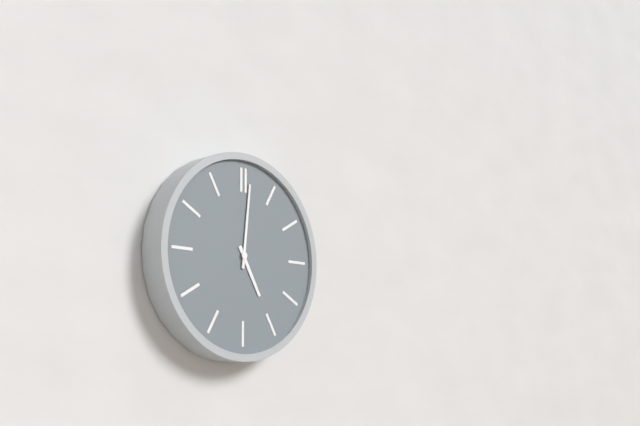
5:01
